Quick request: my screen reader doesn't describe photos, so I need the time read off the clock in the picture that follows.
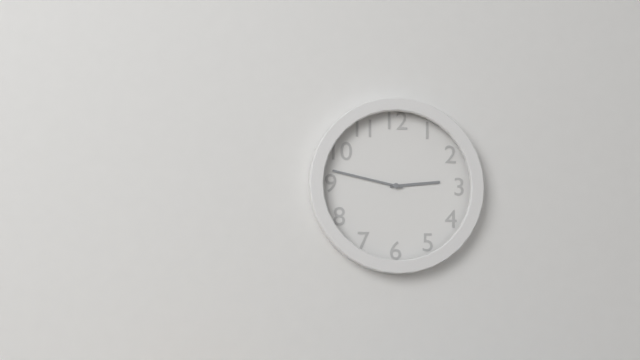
2:47
